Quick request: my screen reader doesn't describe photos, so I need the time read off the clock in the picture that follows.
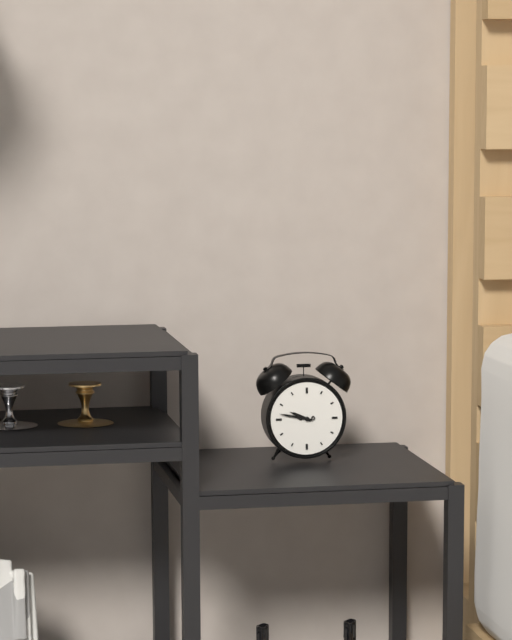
9:47
